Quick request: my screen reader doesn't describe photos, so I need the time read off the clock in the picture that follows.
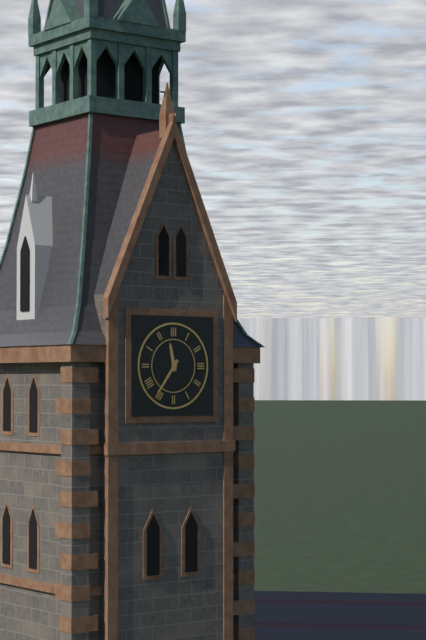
11:36
